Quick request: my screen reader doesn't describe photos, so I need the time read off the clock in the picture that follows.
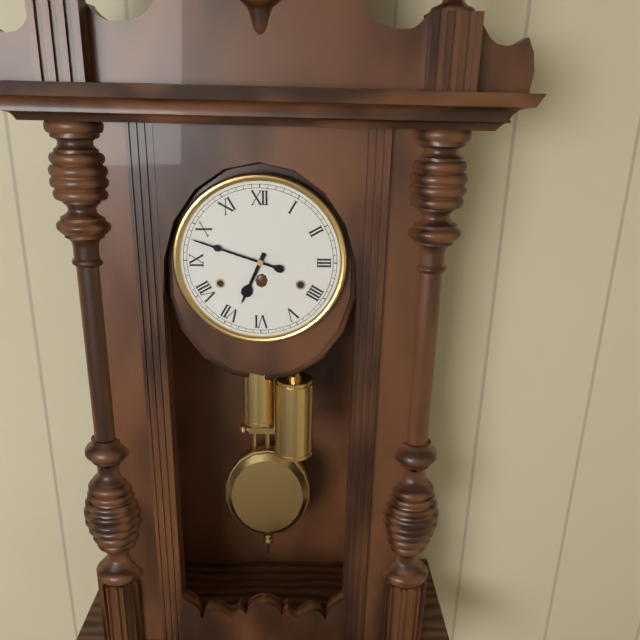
6:48
